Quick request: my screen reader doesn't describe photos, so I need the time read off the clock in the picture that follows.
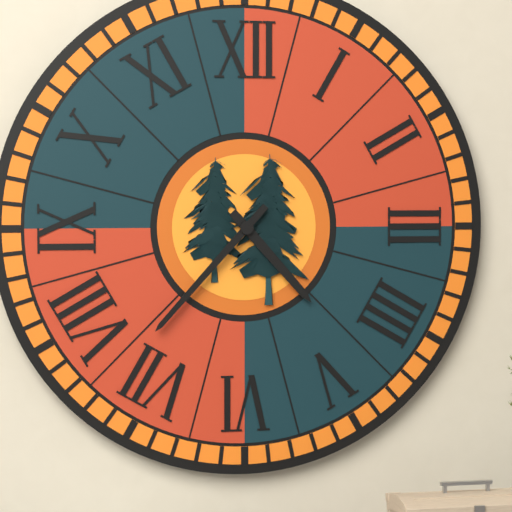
4:37
